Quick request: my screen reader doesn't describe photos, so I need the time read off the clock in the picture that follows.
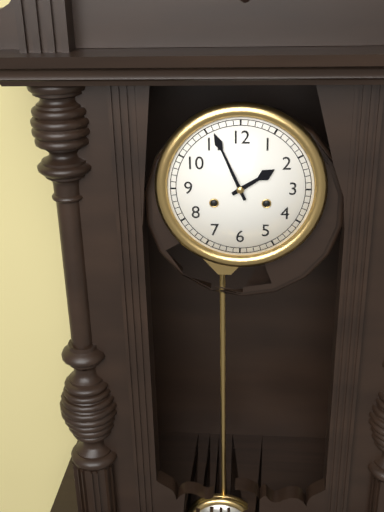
1:56
